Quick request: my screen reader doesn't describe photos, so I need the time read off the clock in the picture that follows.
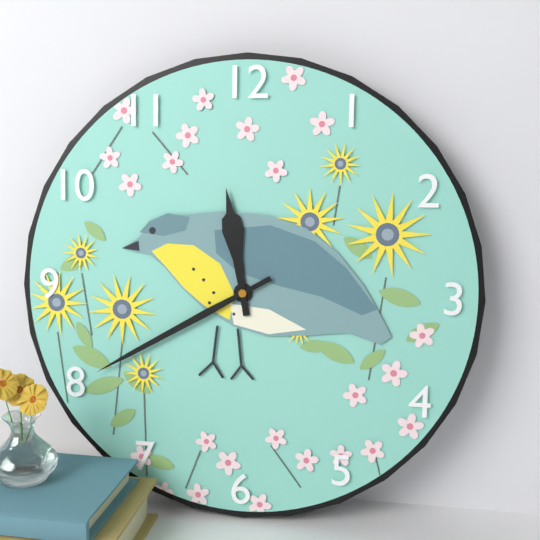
11:40
